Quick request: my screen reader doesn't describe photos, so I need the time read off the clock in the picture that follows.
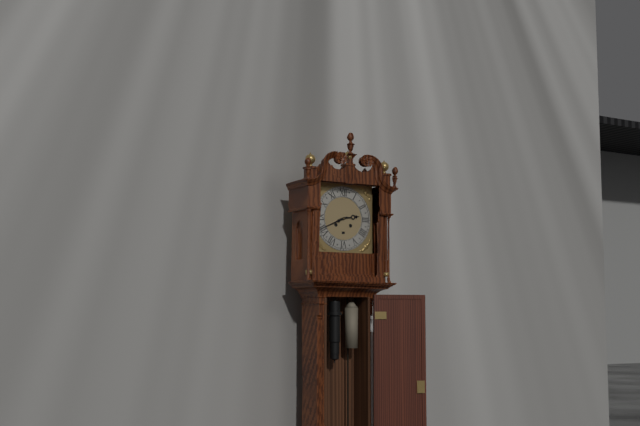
2:41
